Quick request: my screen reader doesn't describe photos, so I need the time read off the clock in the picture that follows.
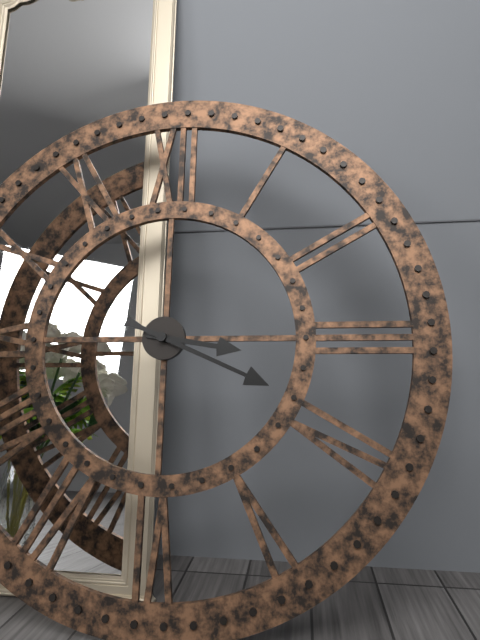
3:19
